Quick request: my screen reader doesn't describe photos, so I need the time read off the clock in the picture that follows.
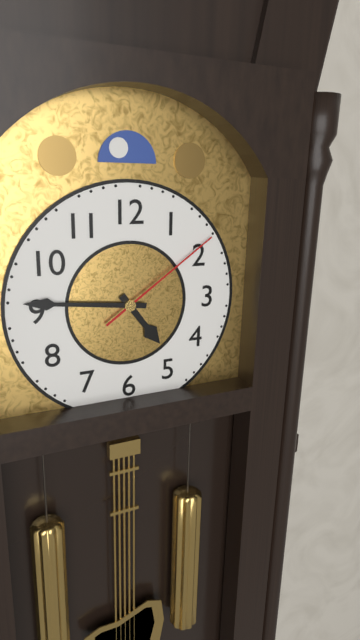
4:46:09
